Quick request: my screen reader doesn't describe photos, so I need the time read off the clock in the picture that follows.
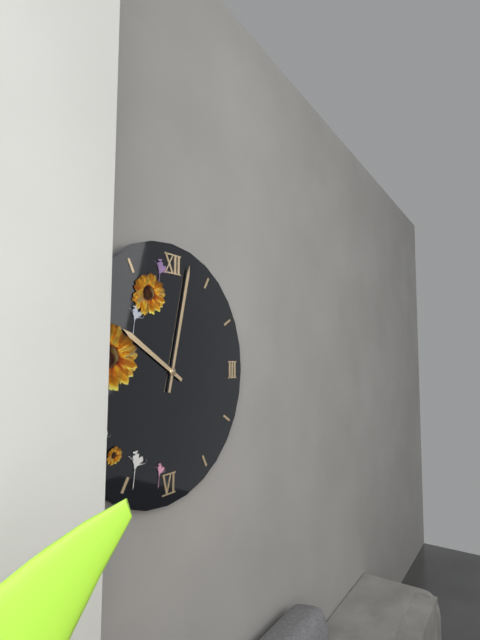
10:02
